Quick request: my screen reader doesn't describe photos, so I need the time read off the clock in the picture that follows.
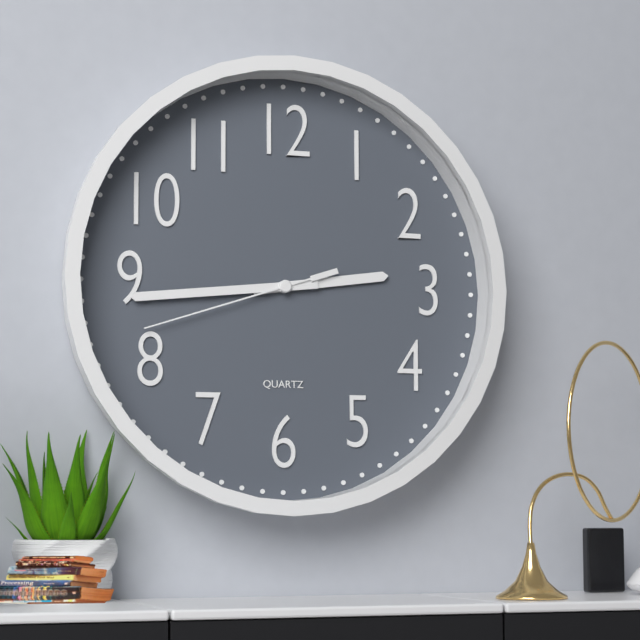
2:44:42
